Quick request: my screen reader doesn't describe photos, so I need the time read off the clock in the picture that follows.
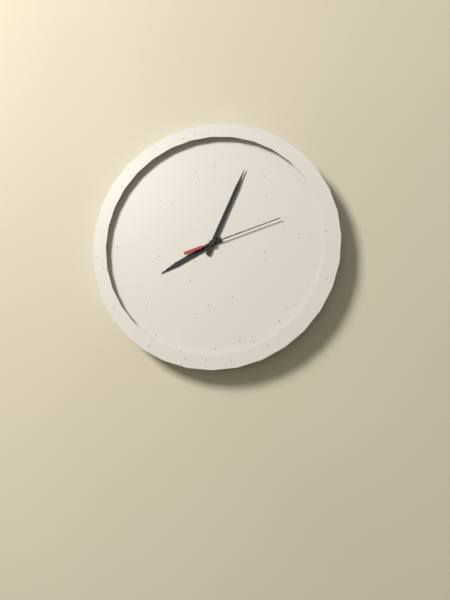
8:04:12
